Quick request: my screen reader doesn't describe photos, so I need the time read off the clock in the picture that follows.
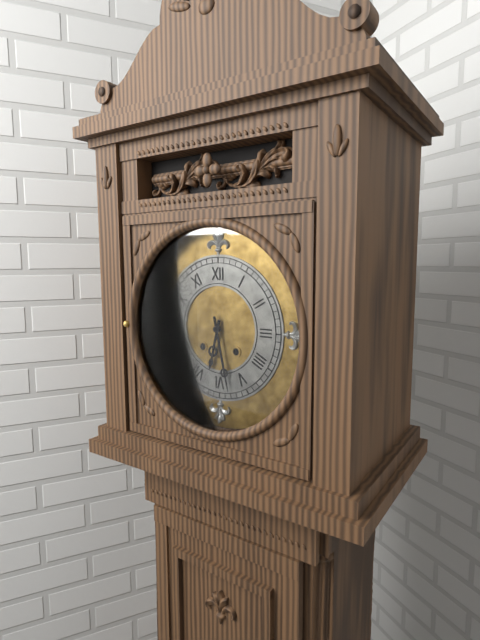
6:28
